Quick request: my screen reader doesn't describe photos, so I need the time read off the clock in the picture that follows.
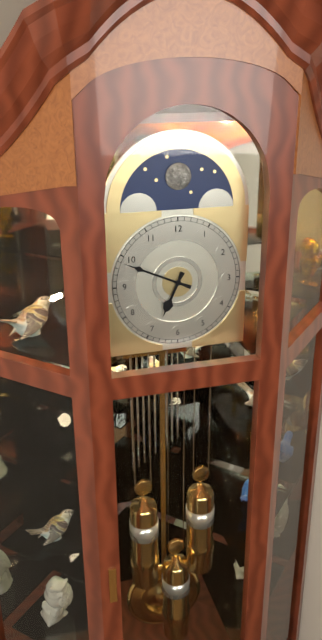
6:49
